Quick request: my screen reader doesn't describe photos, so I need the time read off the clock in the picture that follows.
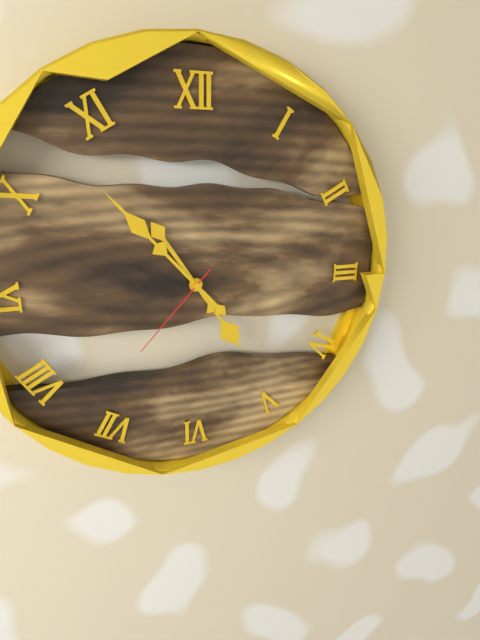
4:53:37
